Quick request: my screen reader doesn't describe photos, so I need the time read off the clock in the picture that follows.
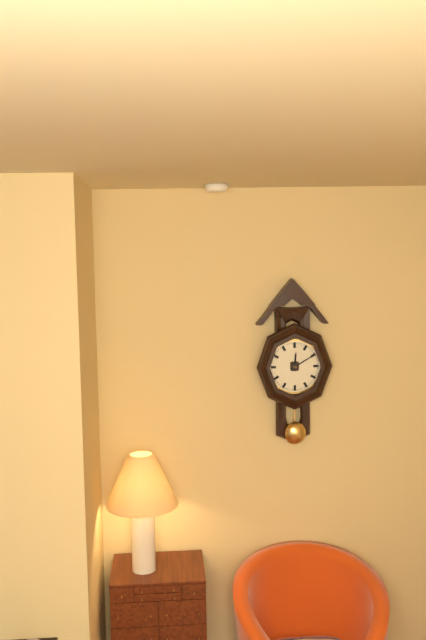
12:10
